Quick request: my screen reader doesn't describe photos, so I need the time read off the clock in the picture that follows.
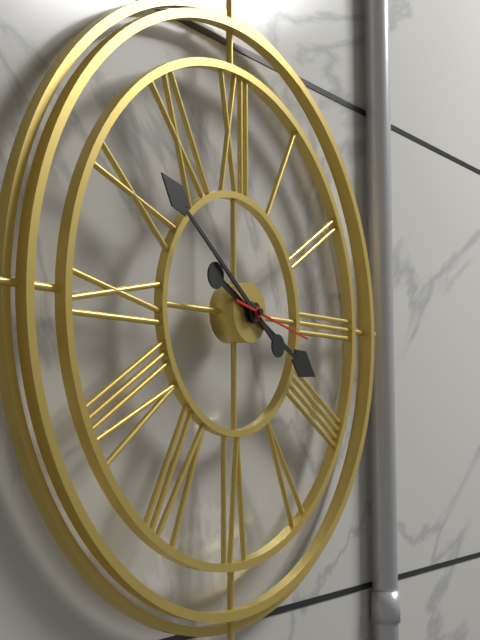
3:51:17
